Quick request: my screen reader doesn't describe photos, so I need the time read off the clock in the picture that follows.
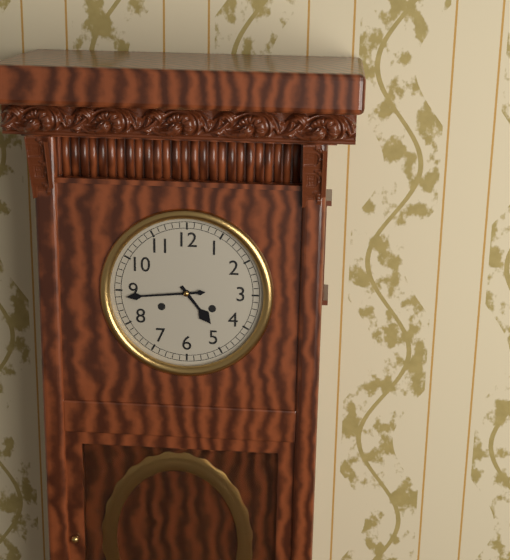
4:44
